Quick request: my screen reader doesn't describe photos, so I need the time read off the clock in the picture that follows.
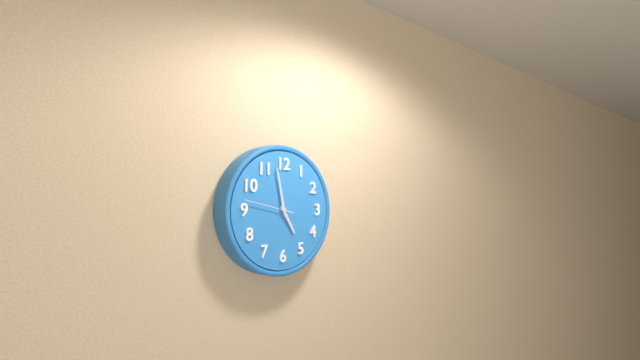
4:58:47
